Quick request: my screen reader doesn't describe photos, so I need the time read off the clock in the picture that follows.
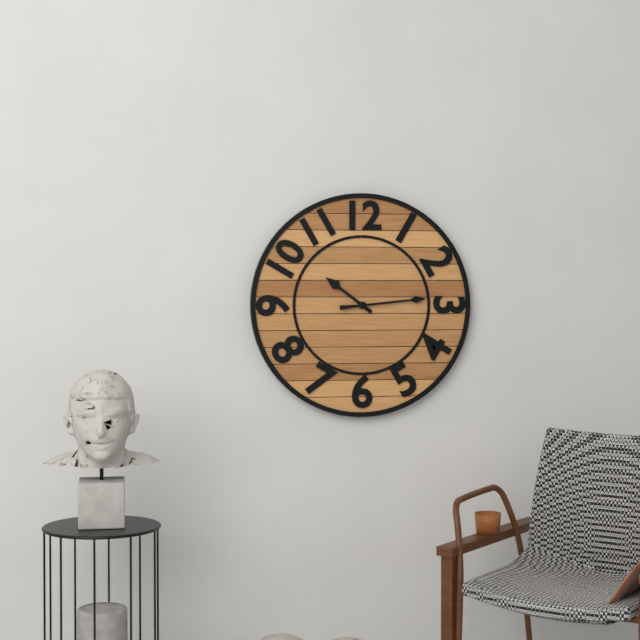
10:14
